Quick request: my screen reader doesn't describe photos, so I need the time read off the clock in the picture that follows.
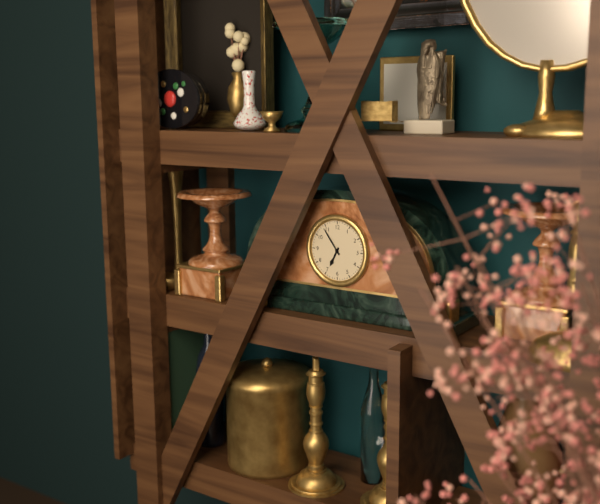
6:54
